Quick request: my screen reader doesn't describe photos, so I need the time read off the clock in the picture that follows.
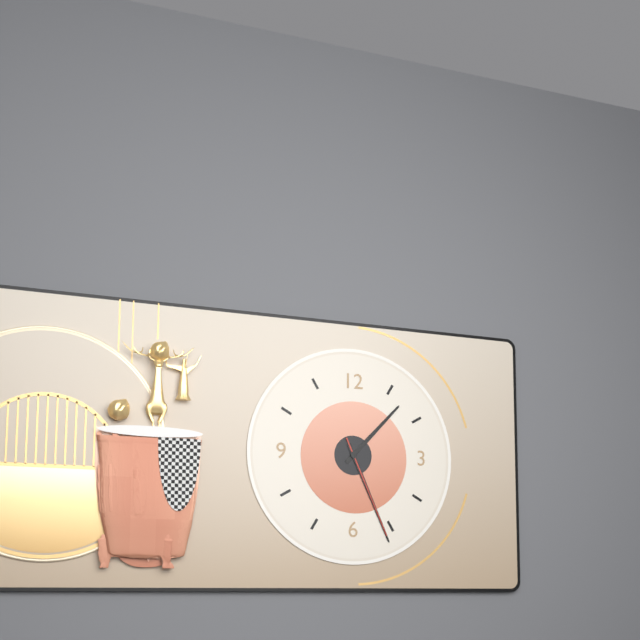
1:26:26
